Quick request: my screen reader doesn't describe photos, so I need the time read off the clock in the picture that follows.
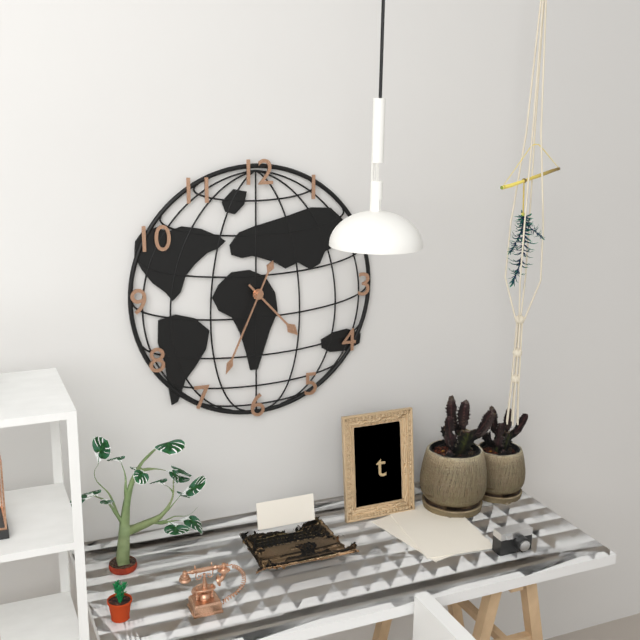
4:34
